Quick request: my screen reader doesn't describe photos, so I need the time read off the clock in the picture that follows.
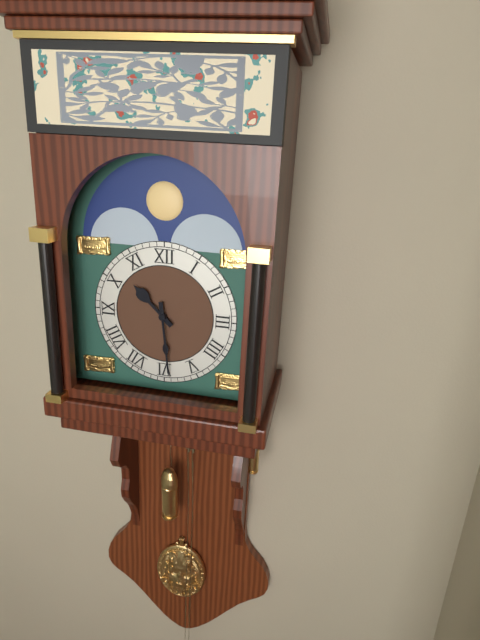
10:29
